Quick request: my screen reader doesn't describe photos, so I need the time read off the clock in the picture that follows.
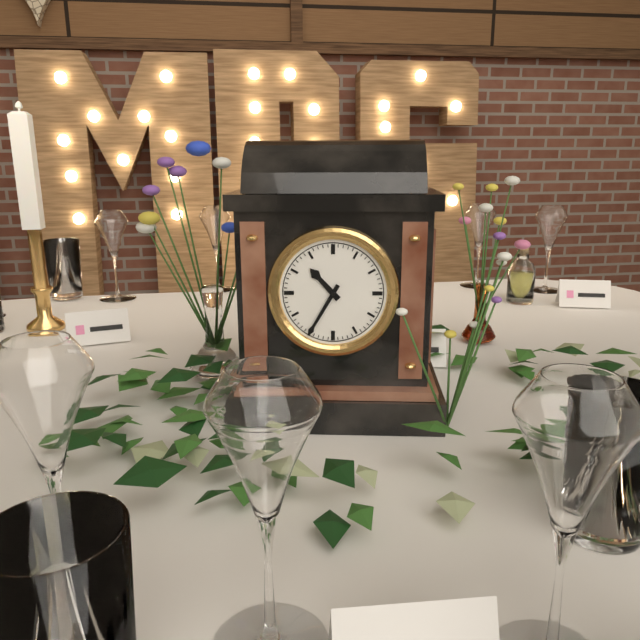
10:35
